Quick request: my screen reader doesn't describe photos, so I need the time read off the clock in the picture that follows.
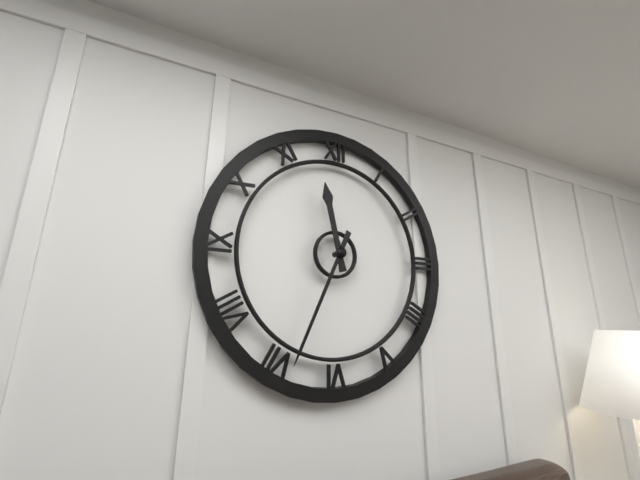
11:34
